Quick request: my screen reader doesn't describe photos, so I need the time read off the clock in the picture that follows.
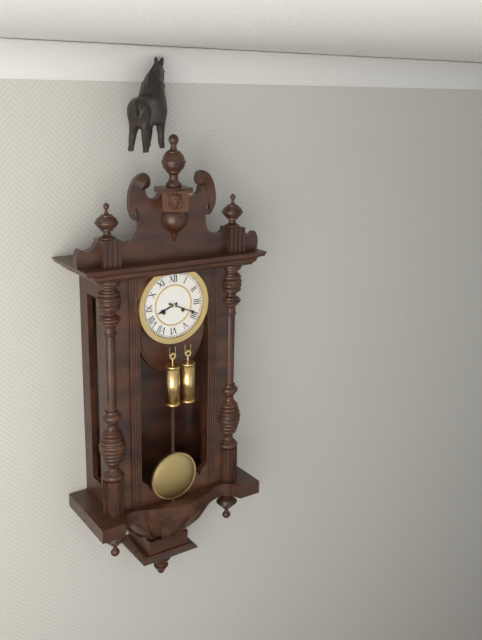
8:19
